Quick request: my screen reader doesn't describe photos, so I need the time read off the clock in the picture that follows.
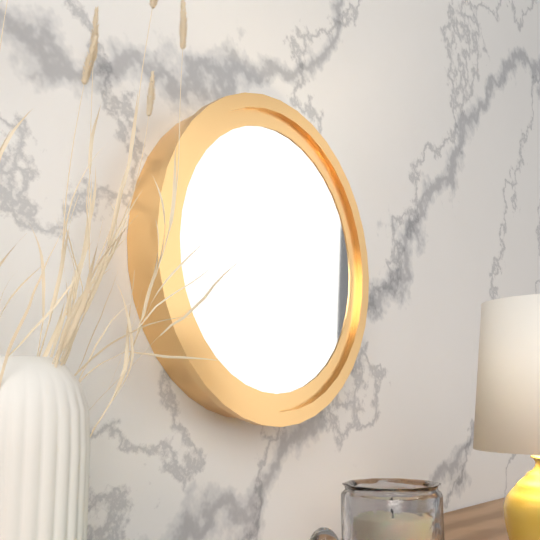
12:35:21
